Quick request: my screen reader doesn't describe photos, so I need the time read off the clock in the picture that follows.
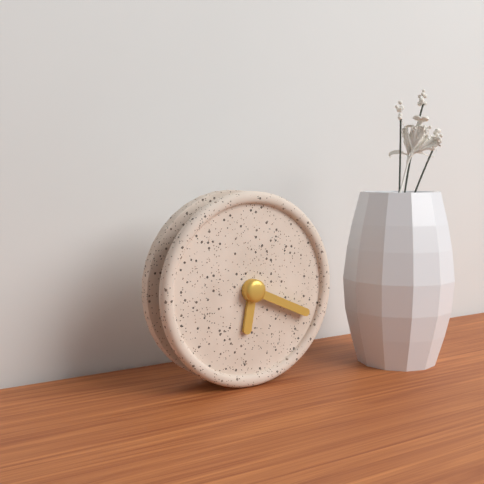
6:19
